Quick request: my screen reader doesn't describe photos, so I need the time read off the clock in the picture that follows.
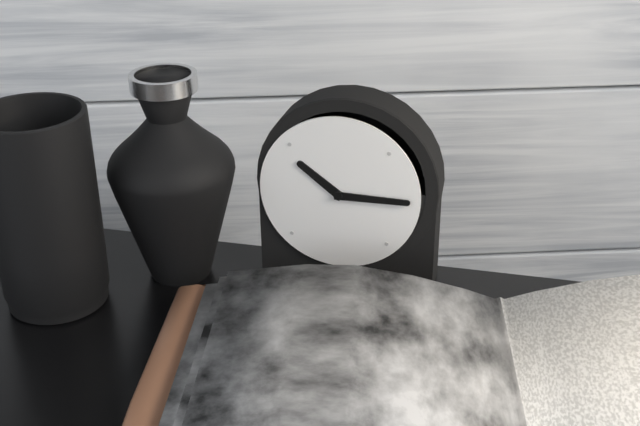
10:15
